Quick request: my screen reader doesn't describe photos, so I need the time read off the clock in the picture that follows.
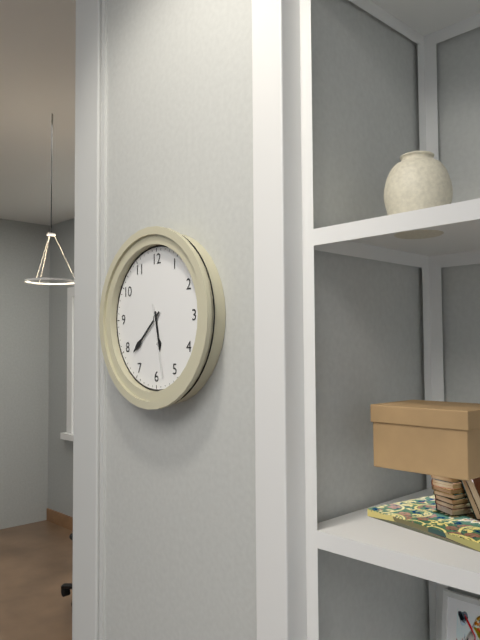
5:38:28
